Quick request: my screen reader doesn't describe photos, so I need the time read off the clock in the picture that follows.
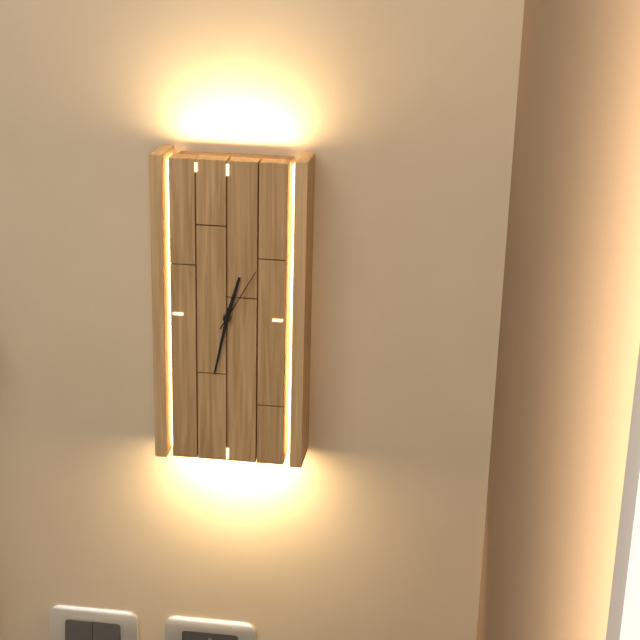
12:32:05
